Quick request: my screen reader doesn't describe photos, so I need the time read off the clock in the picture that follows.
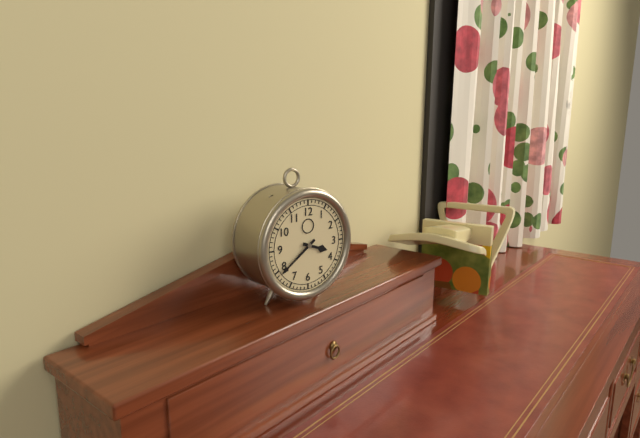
3:39
